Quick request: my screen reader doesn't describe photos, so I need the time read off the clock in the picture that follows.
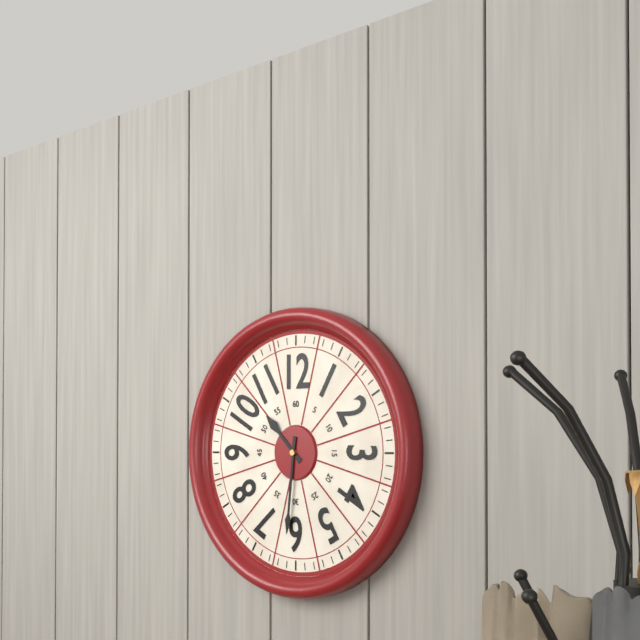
10:31
